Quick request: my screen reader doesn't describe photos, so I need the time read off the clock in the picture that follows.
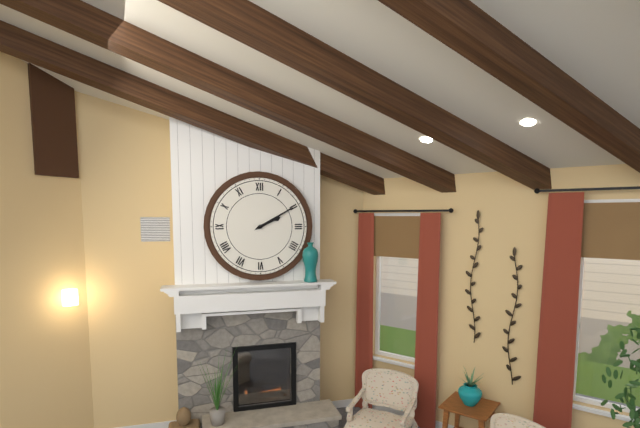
2:10
